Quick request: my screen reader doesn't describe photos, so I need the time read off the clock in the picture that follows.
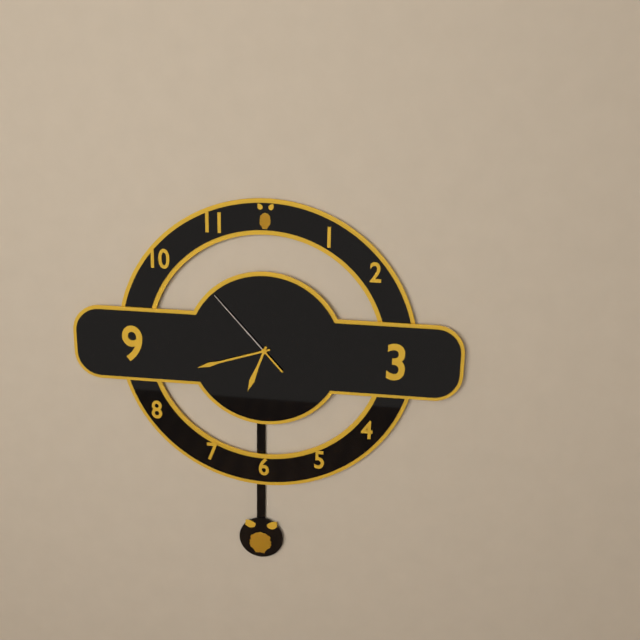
6:42:53
